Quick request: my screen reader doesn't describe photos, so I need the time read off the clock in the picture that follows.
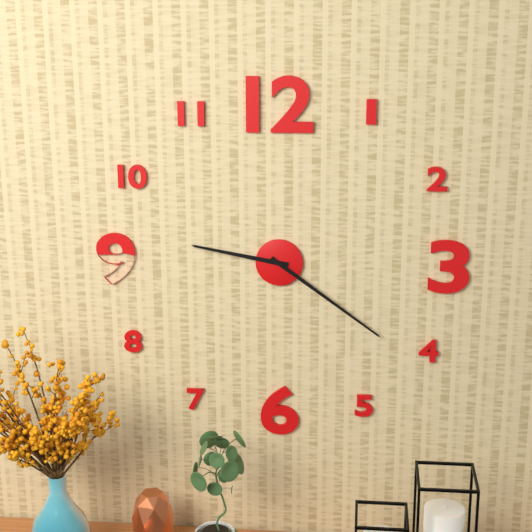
9:21
